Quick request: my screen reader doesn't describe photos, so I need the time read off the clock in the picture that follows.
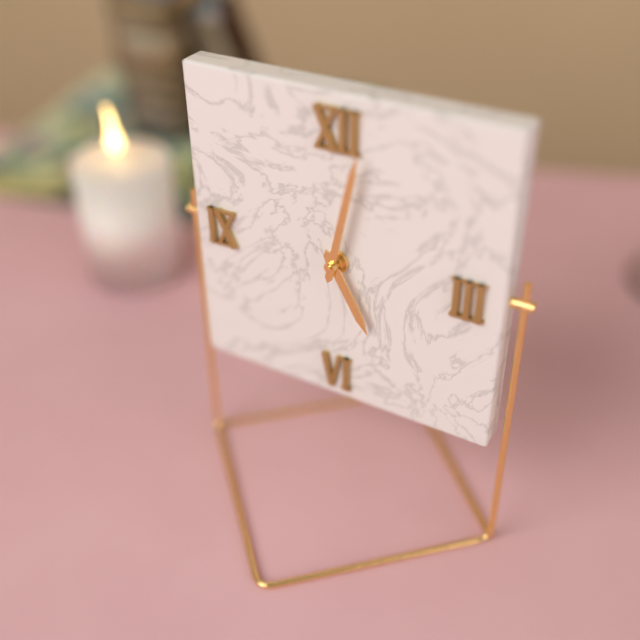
5:02
